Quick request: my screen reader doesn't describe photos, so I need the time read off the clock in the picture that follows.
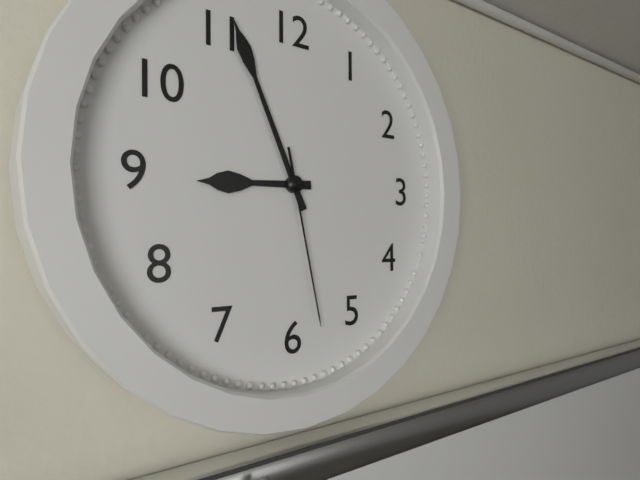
8:56:28
